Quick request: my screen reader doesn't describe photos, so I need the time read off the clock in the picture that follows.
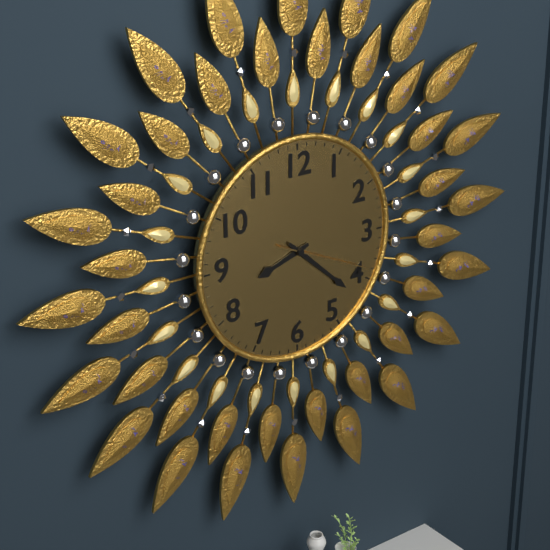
8:22:19
